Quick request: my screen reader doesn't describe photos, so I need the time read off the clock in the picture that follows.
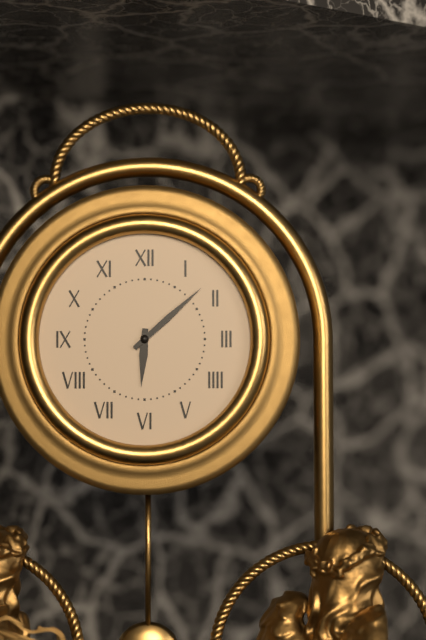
6:08
